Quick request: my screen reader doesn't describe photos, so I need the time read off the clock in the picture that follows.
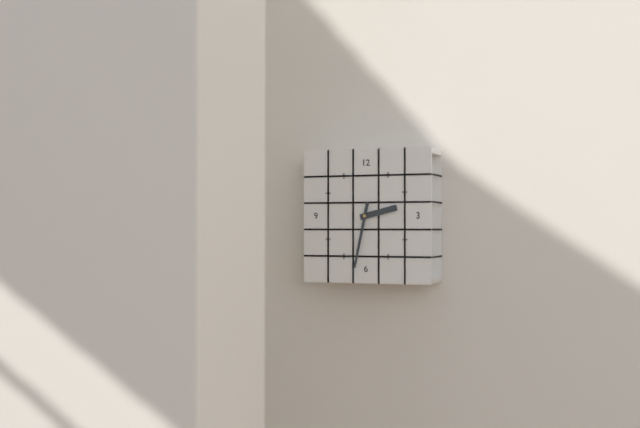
2:32
